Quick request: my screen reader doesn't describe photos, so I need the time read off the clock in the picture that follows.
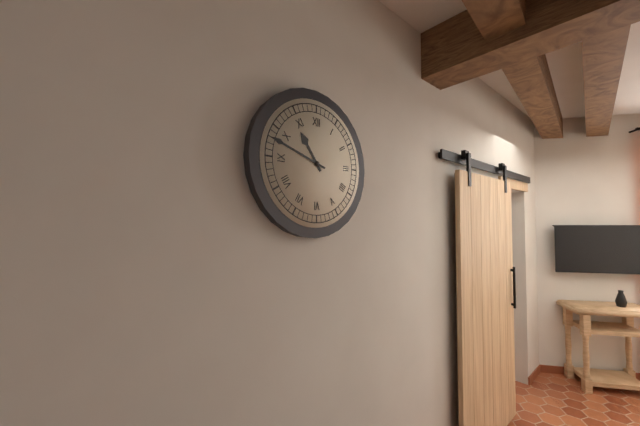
10:48
